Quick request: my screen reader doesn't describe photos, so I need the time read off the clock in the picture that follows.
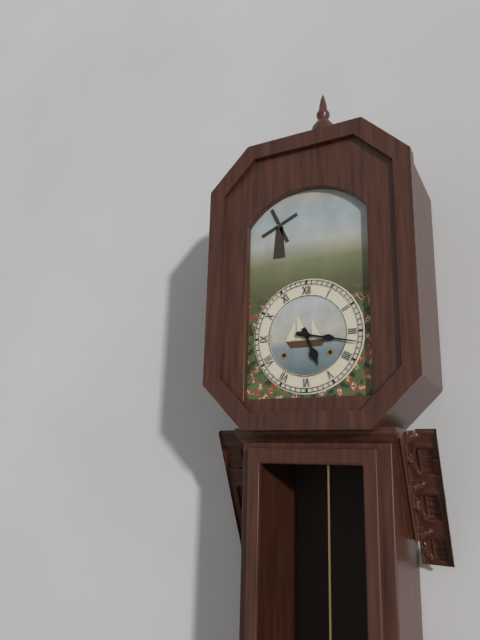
5:17
